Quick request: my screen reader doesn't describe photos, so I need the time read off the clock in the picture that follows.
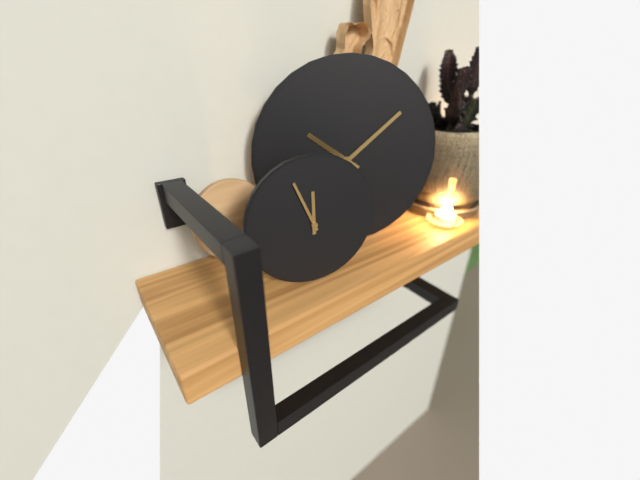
11:56
